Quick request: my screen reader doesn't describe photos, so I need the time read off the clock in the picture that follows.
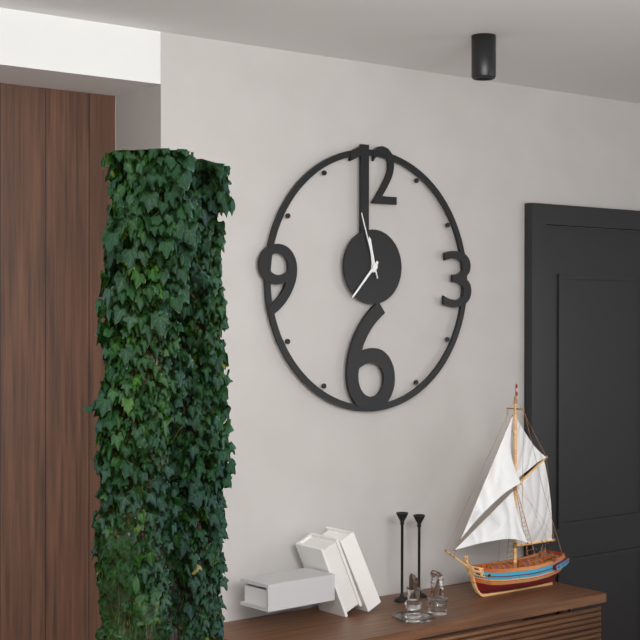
11:37:57
